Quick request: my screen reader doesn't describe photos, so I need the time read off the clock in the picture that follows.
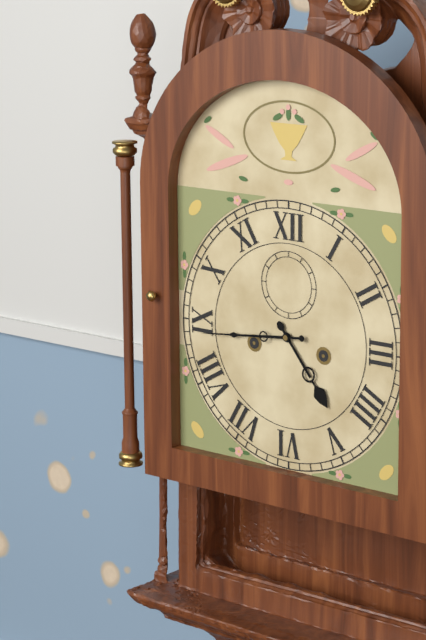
4:44
